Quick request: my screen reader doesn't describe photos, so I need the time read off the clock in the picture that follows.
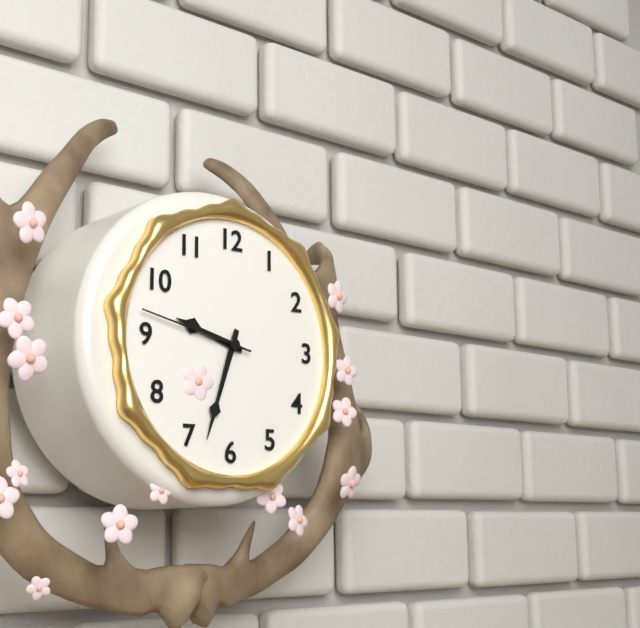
9:33:47
